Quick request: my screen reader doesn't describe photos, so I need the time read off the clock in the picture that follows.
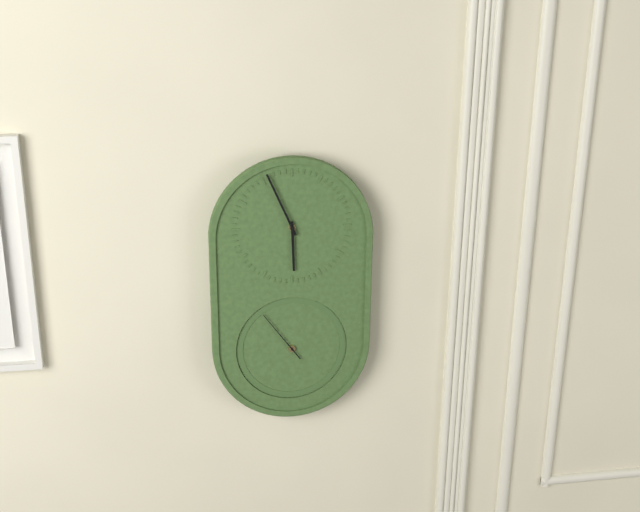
5:56:54
